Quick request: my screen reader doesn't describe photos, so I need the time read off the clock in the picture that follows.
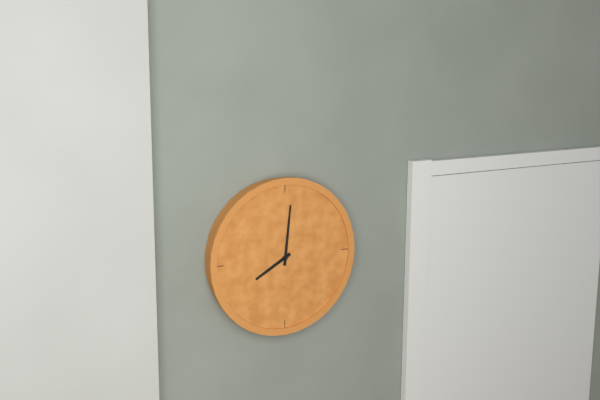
8:01
